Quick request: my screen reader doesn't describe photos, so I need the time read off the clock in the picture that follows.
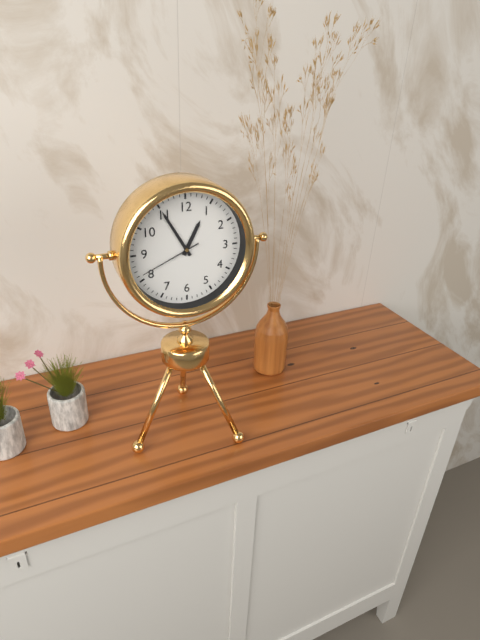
12:55:41
